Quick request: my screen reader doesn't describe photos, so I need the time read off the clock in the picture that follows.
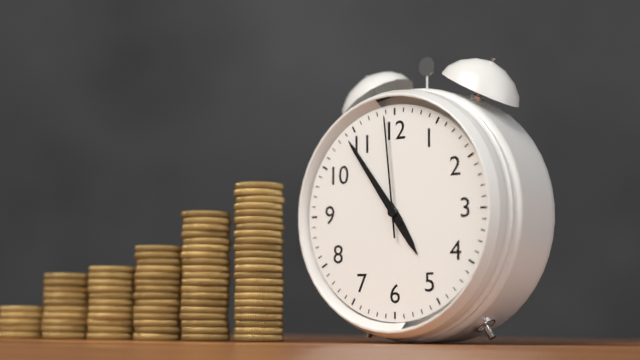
4:54:59
